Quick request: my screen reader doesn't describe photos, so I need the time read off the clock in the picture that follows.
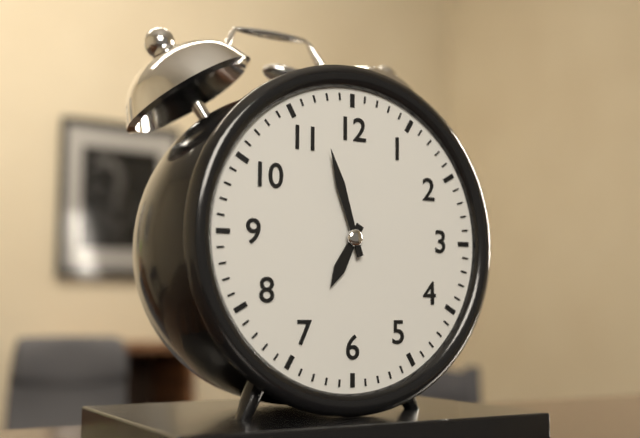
6:57
